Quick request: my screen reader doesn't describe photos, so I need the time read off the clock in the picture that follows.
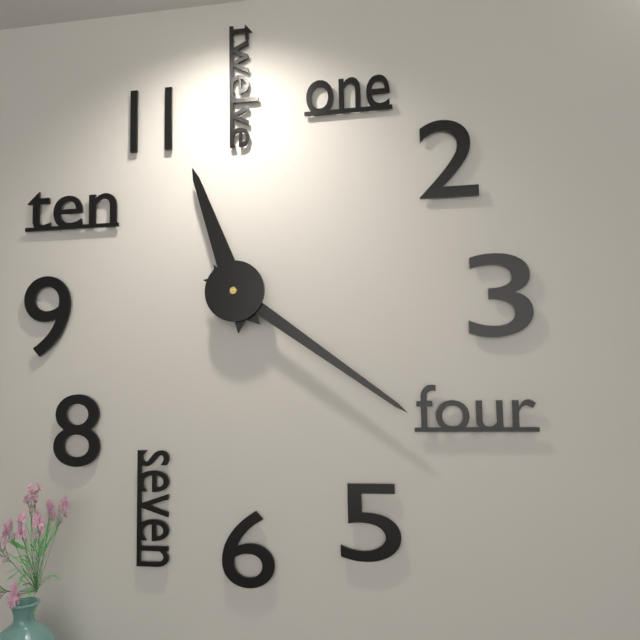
11:21
